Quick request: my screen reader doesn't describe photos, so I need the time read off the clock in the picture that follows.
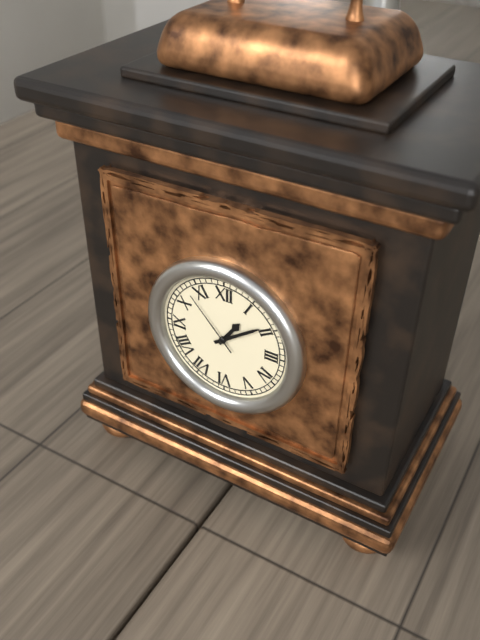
1:09:53
